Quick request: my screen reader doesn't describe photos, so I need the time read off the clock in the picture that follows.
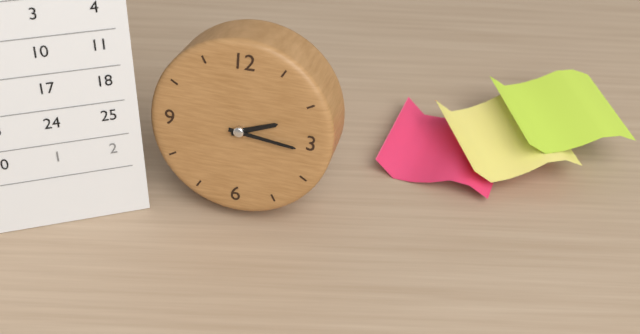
2:16
